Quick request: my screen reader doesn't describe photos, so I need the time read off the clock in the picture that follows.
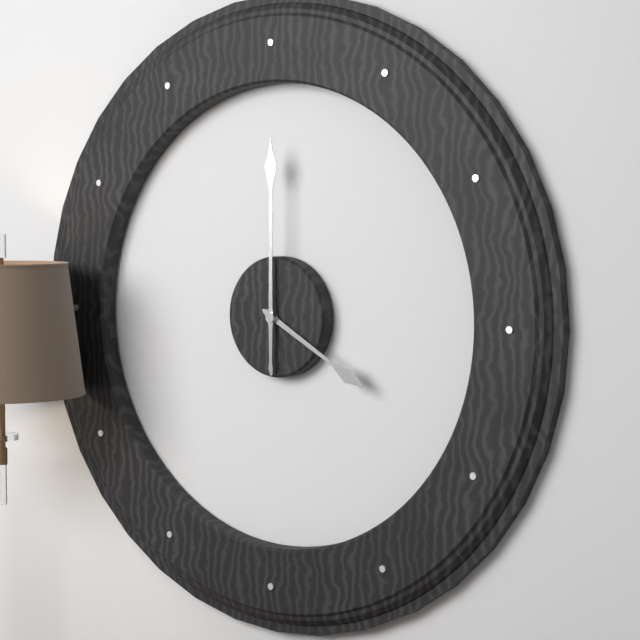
4:00
